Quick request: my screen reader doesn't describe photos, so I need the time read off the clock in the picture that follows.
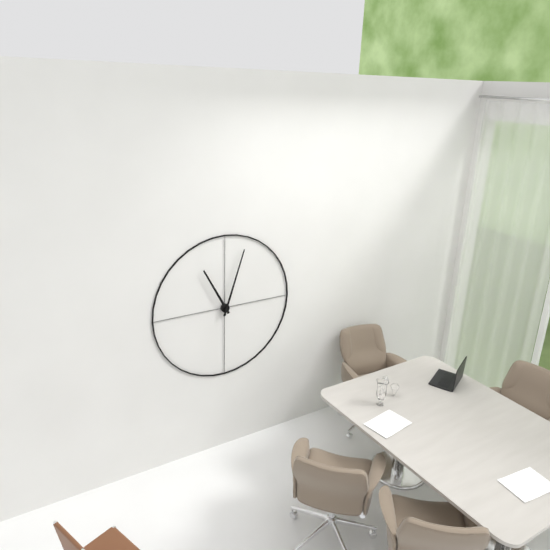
11:03
